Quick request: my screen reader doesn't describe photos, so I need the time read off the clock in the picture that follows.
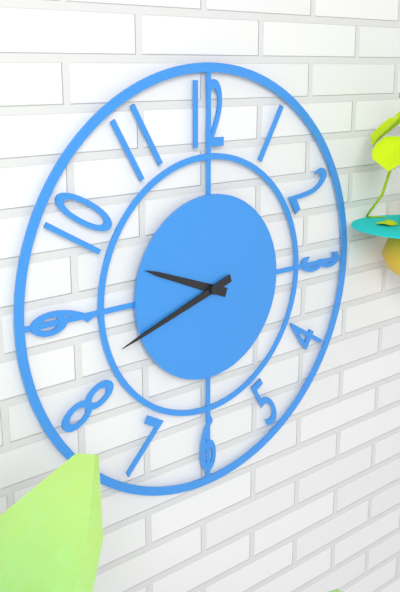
9:42
